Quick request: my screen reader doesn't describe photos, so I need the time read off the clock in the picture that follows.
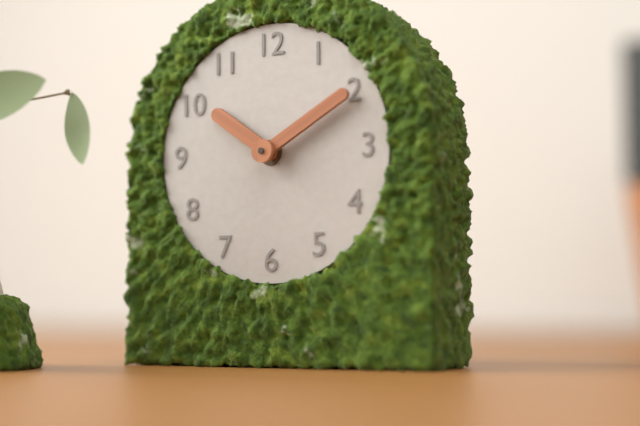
10:10
